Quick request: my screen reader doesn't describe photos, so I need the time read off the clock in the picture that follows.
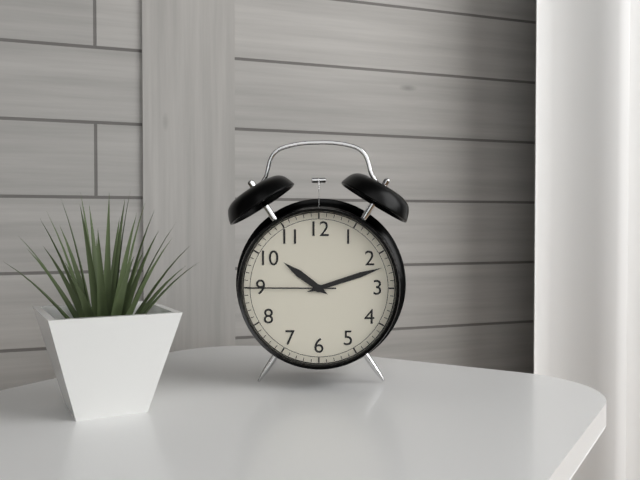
10:12:45
